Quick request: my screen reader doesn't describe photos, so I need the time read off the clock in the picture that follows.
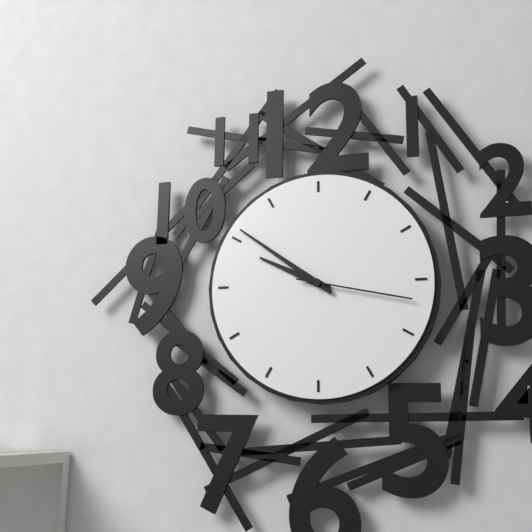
9:51:17
